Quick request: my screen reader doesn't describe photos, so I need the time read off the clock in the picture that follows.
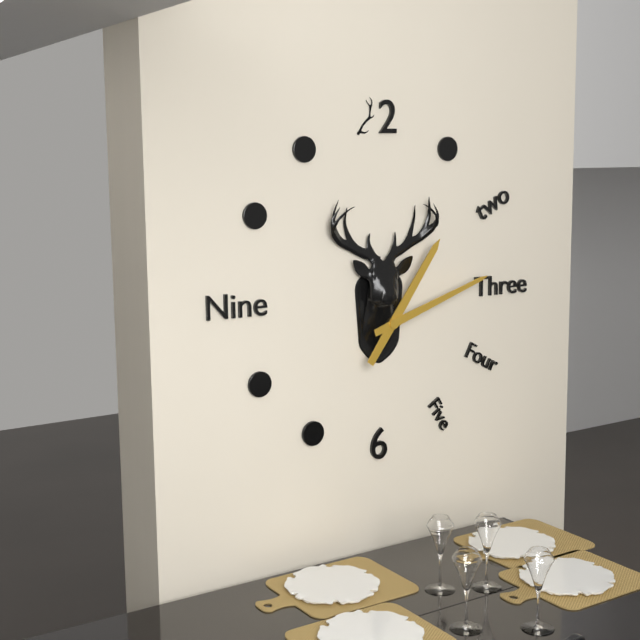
1:12
